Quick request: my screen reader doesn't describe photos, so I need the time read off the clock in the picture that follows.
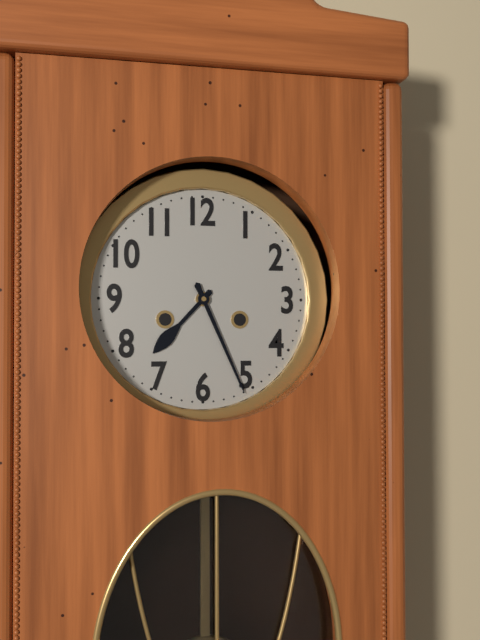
7:26
